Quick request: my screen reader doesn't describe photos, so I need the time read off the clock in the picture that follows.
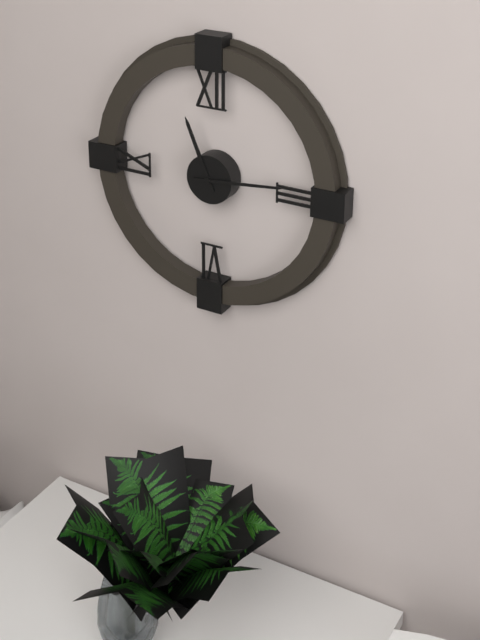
11:14
